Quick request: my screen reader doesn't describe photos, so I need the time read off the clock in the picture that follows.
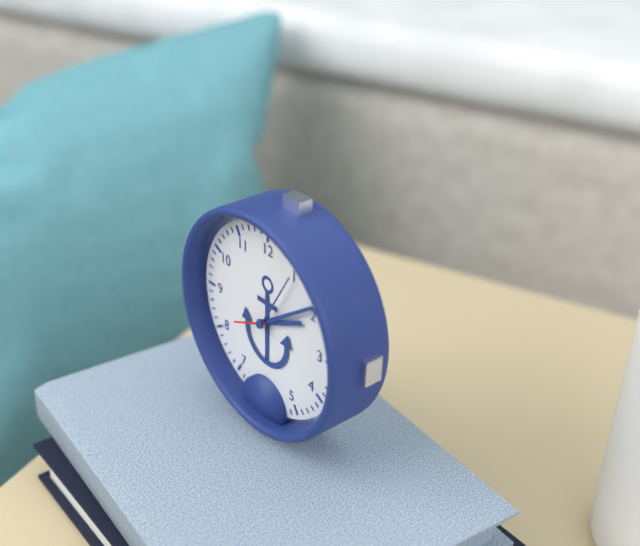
2:09
